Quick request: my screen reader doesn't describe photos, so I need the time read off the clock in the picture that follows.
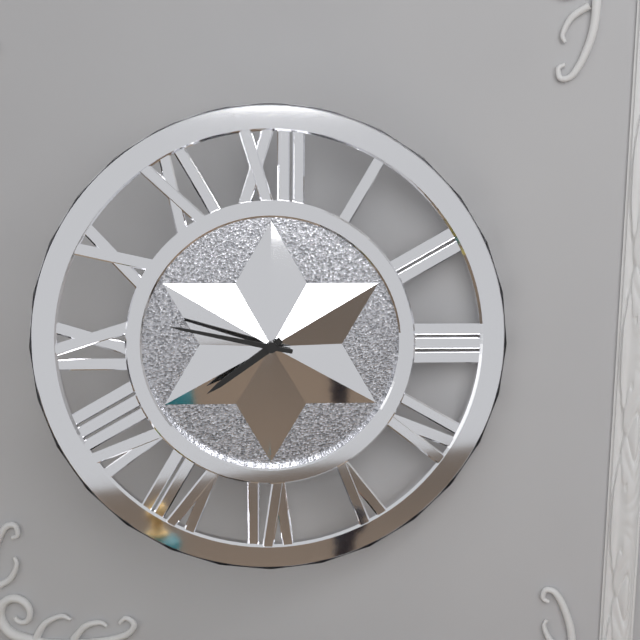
7:47
